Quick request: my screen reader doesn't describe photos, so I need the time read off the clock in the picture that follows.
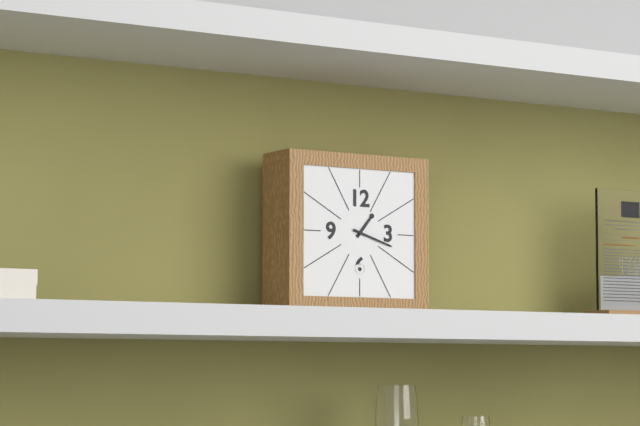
1:18
